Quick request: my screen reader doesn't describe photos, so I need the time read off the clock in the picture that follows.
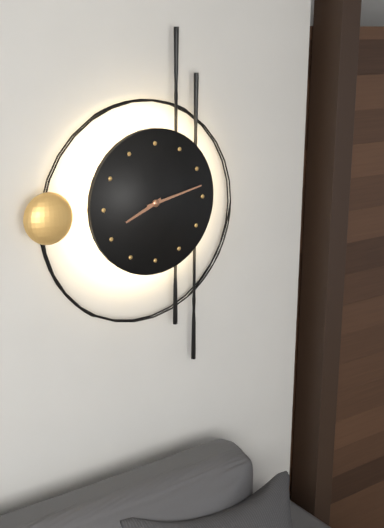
8:13
